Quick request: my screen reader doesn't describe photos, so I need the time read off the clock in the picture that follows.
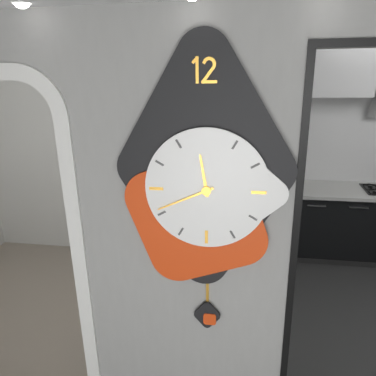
11:41
